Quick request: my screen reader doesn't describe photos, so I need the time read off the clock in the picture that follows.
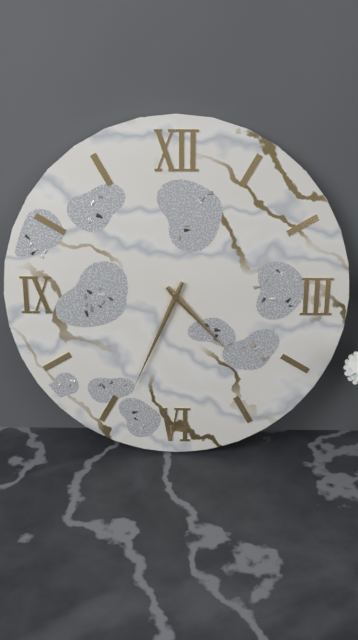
4:34
